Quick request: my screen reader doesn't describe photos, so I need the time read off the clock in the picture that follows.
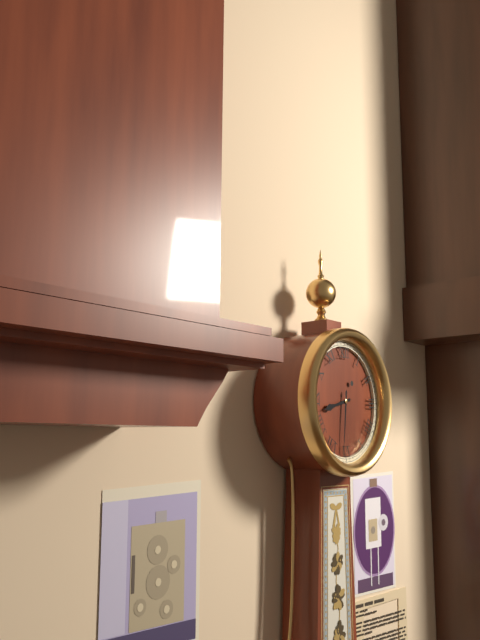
8:31
